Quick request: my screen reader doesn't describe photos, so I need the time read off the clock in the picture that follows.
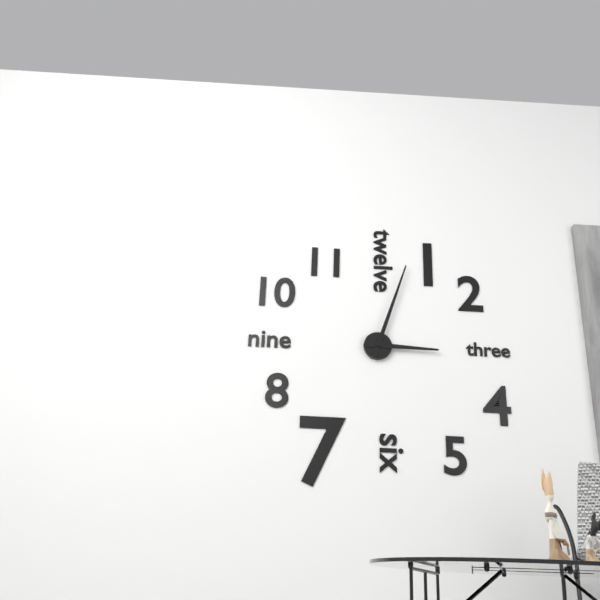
3:03
